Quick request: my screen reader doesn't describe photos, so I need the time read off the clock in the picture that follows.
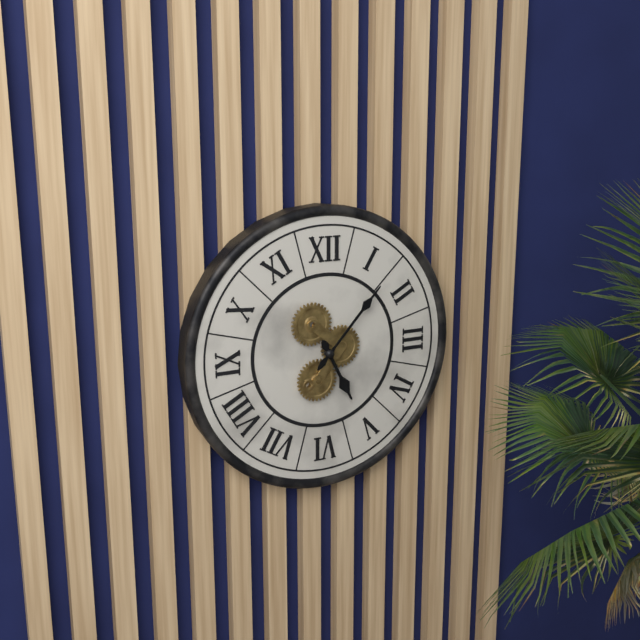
5:07
